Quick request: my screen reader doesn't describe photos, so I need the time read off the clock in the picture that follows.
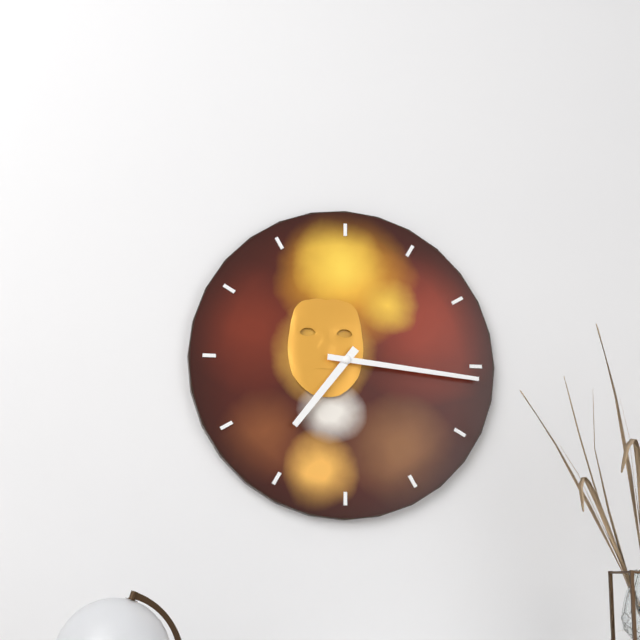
7:16
